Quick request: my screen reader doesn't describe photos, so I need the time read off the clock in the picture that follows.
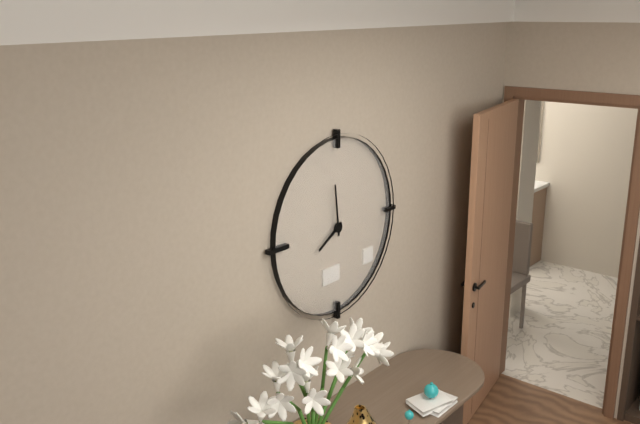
7:59
